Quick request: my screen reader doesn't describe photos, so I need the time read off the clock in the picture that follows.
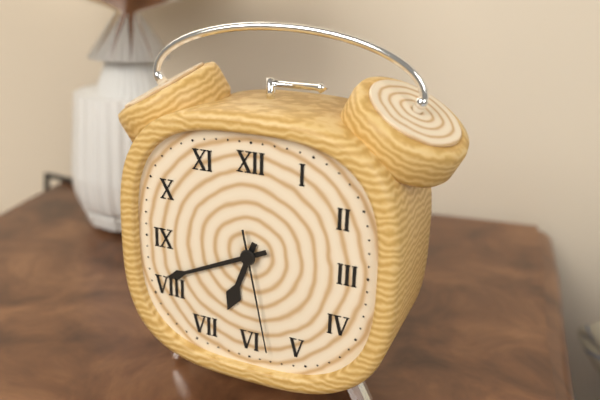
6:41:28
